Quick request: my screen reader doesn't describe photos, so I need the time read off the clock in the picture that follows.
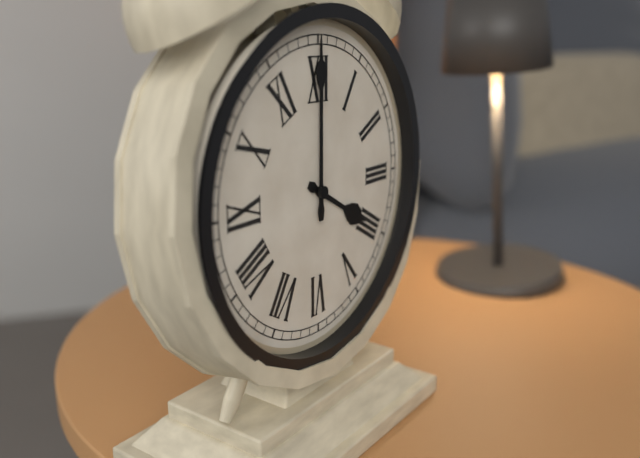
4:00
